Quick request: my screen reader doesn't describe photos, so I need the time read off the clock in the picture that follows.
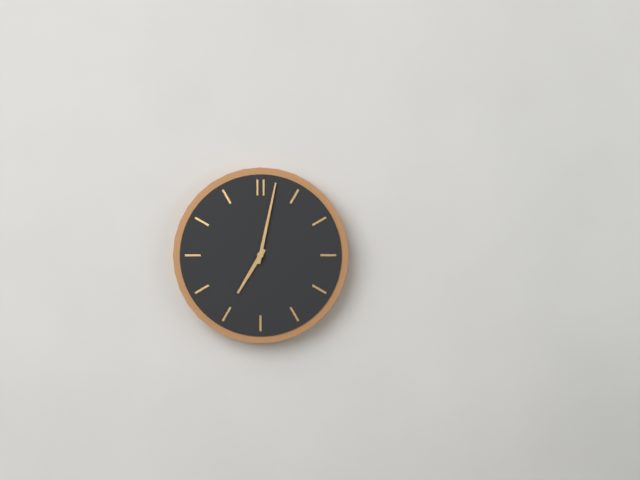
7:02
